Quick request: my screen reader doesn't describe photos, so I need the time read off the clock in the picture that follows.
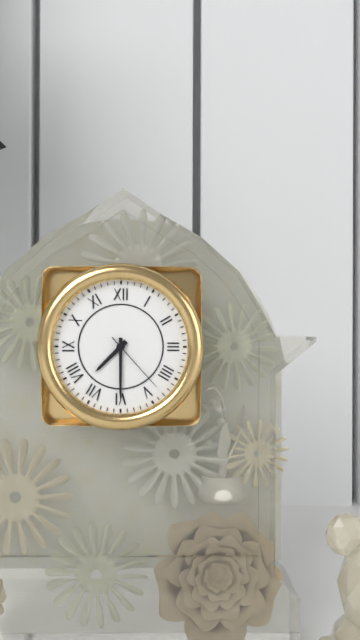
7:30:23
